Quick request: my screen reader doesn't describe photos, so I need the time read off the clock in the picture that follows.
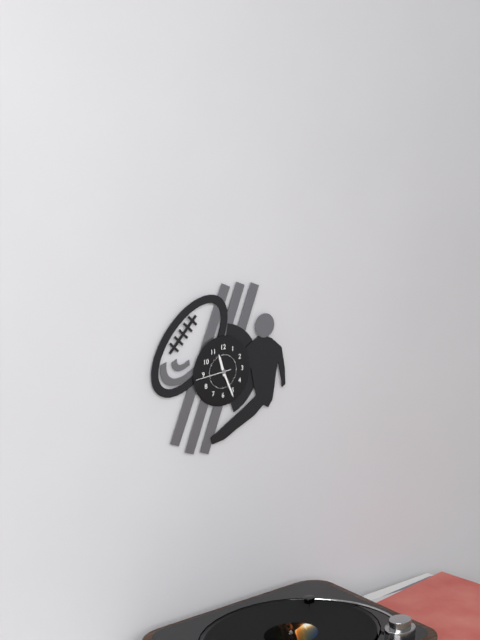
11:26
